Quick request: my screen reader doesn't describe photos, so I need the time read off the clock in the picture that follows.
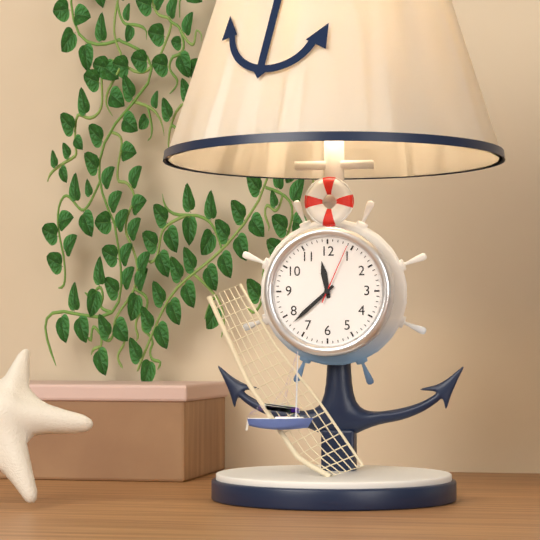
11:38:04
